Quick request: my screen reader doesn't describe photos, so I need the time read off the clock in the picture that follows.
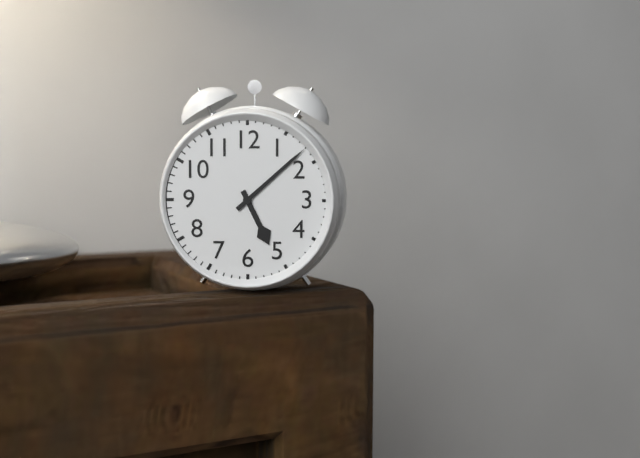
5:08
